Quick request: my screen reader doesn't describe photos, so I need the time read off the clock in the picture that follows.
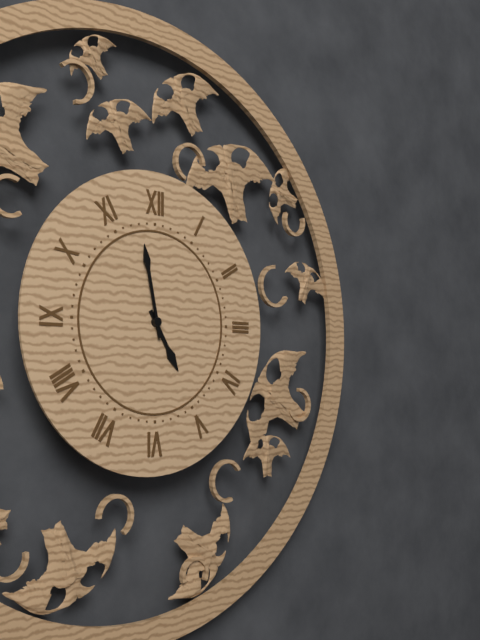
4:58
